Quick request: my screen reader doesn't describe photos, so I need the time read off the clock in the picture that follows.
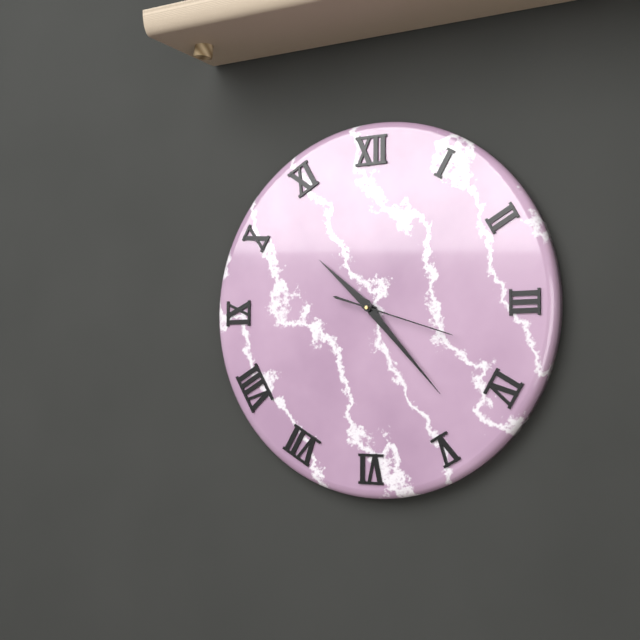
10:23:18
